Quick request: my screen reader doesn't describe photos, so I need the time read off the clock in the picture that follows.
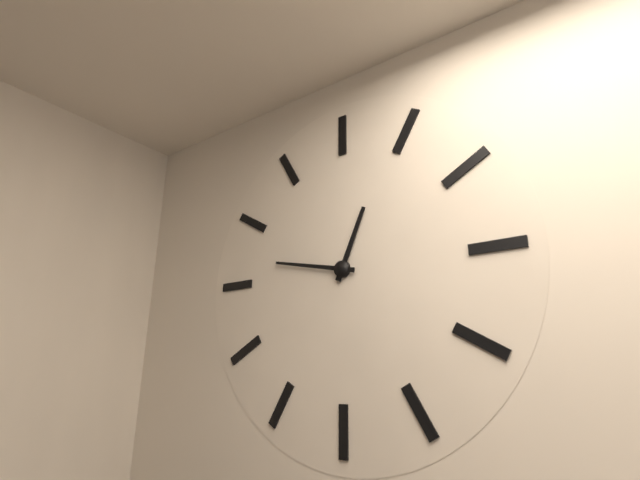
12:47
